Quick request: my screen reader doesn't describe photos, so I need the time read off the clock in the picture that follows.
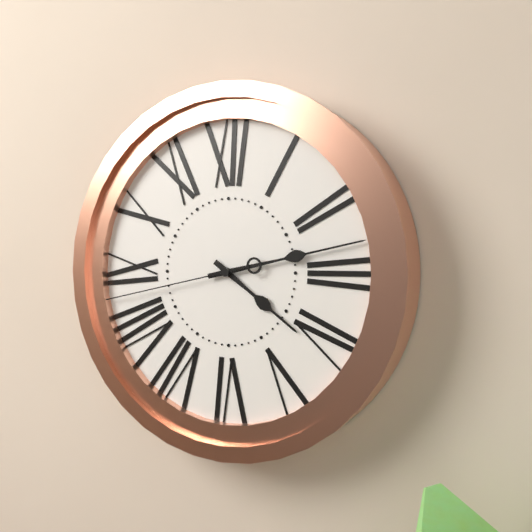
4:13:43
